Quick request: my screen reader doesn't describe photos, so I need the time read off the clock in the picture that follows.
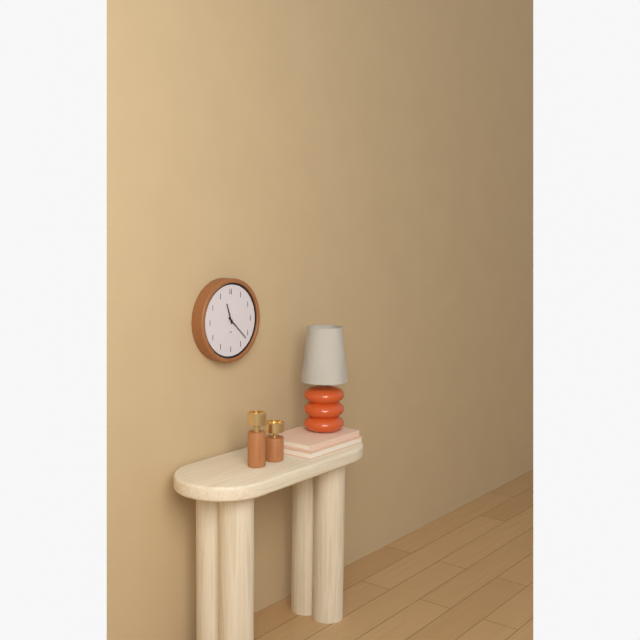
11:22
